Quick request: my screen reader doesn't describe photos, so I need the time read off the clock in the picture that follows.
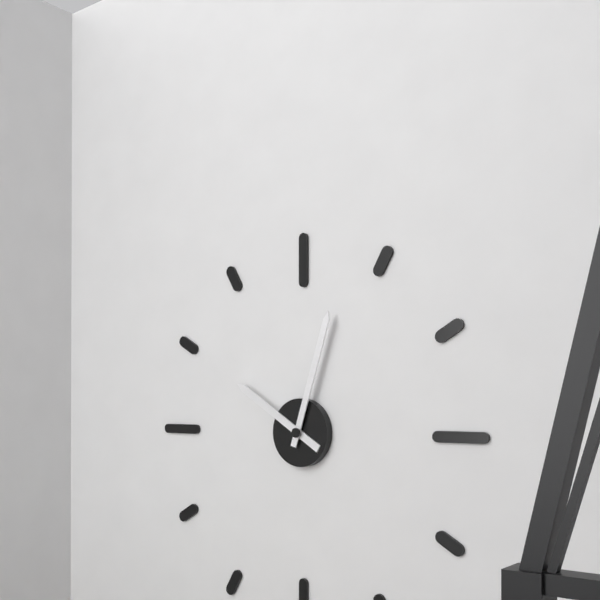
10:03
